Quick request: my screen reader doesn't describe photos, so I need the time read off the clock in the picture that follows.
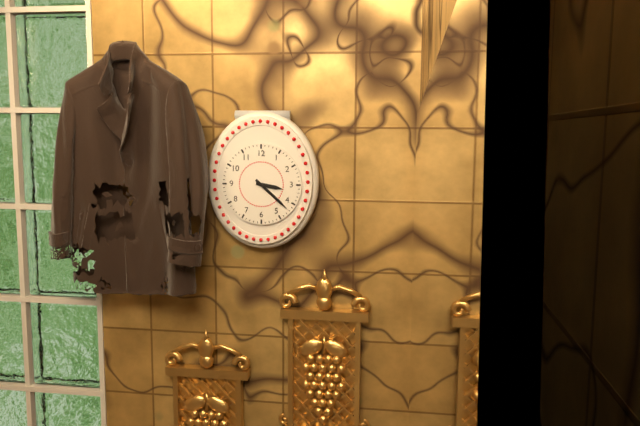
3:22
